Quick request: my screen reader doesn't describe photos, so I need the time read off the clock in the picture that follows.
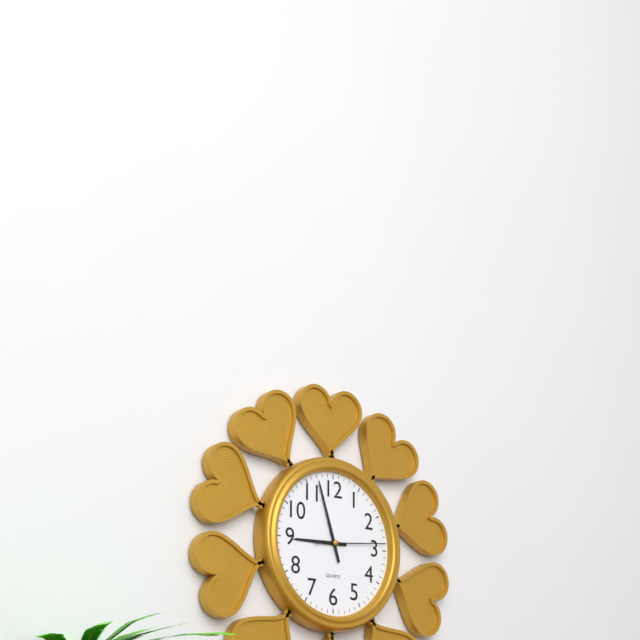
8:57:14
